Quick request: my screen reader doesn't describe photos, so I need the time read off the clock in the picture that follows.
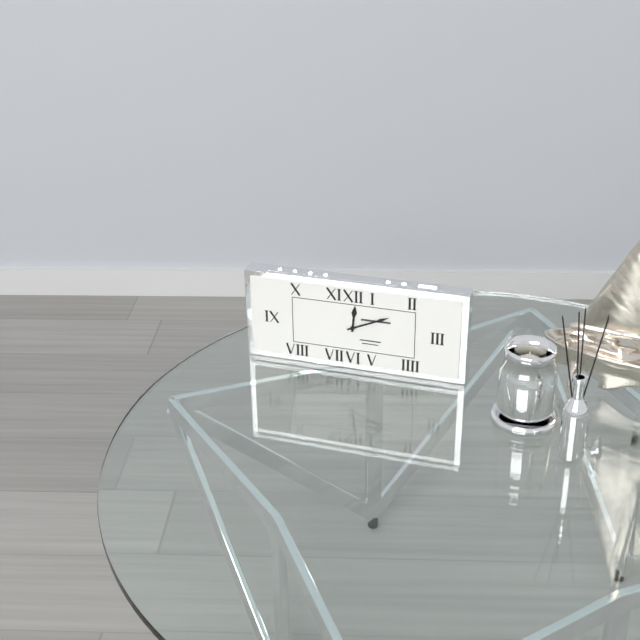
12:11
